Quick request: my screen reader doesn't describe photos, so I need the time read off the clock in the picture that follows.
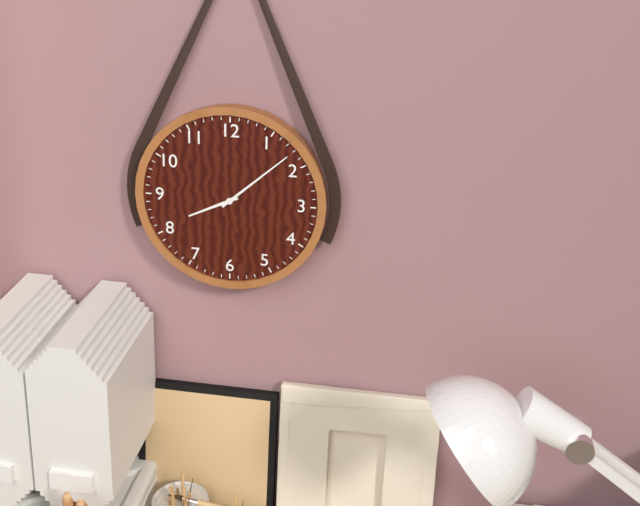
8:08
